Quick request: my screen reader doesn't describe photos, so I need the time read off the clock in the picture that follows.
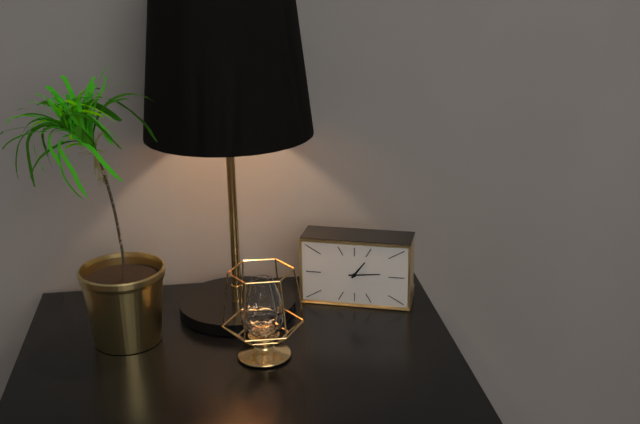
1:14
